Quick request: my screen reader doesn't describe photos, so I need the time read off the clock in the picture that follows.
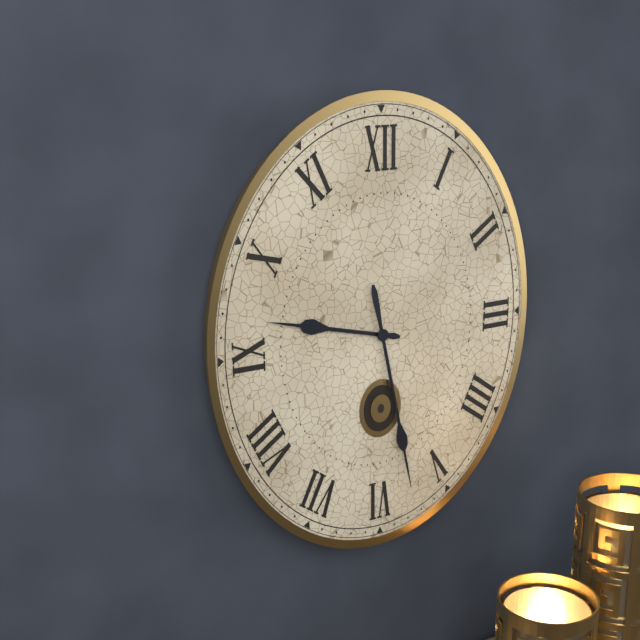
9:28
